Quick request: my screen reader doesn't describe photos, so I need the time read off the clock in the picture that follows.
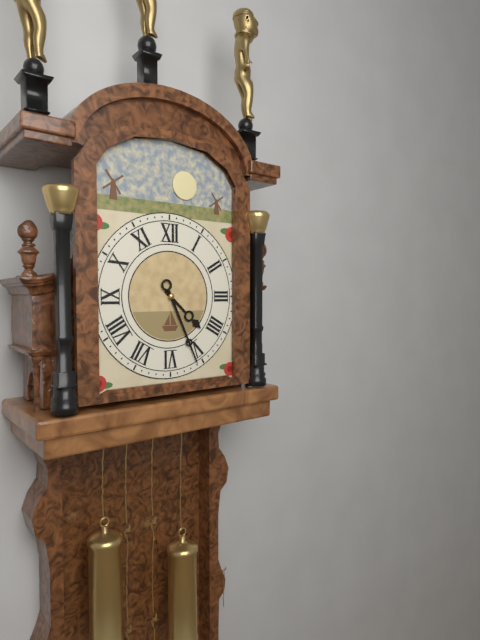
4:26
